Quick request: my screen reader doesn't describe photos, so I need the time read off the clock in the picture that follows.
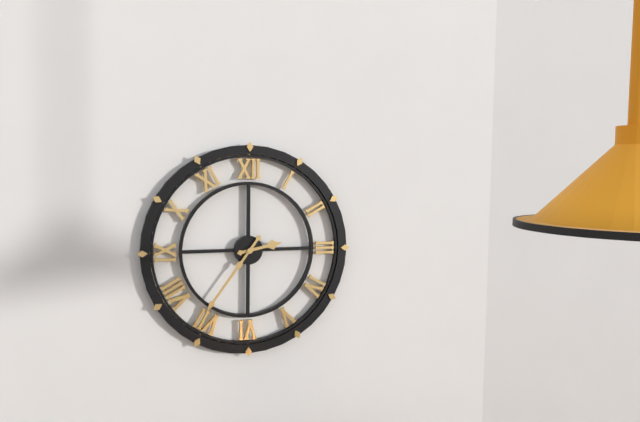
2:36
